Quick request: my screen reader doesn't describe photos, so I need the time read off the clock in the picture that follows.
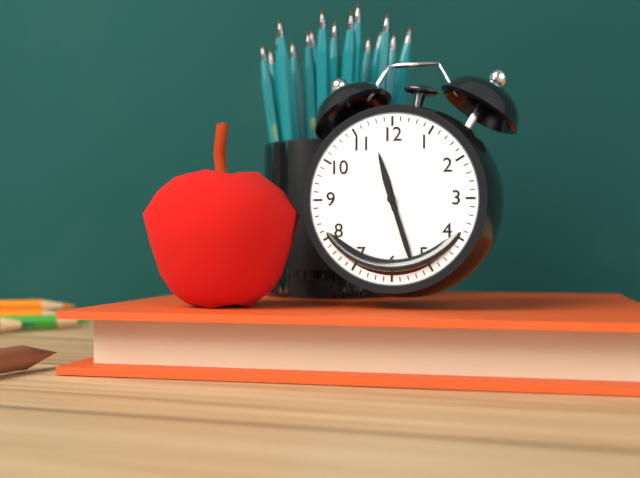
11:27
